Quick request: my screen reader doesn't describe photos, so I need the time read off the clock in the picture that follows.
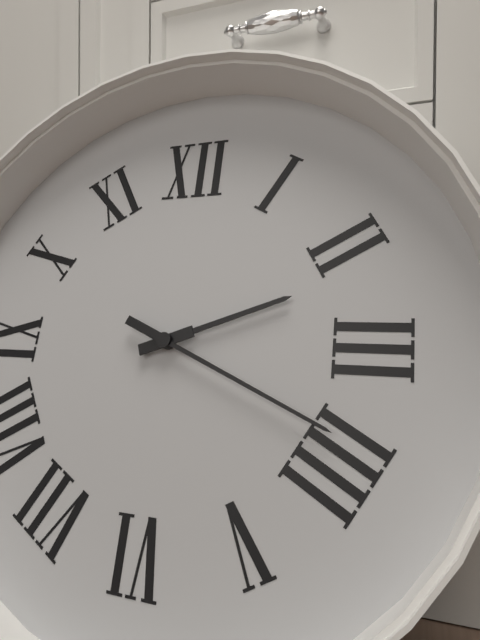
2:19
